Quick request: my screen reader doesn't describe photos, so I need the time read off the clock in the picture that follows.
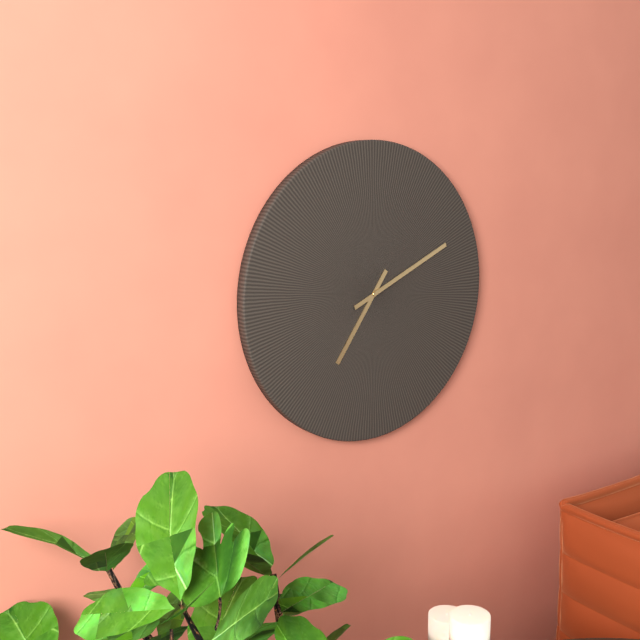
7:11
